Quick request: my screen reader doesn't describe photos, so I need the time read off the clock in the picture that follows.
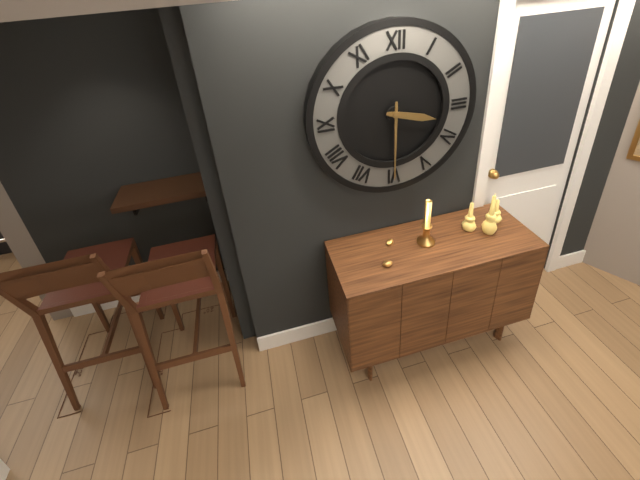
3:30
